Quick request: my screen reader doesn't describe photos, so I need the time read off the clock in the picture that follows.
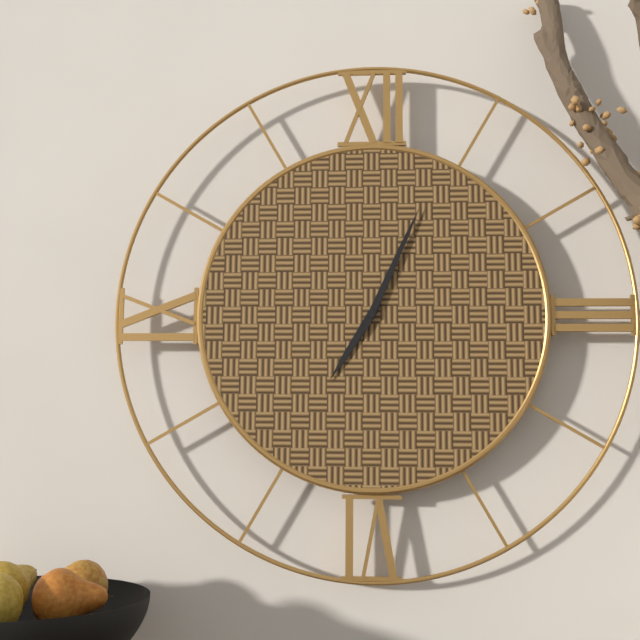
7:04
